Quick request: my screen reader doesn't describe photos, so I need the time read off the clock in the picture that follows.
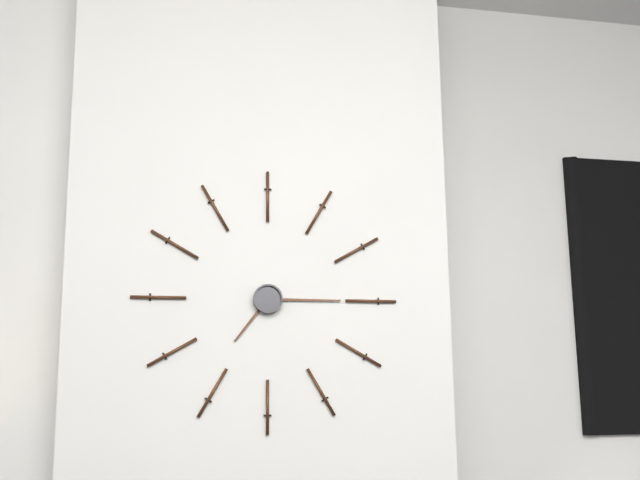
7:15
